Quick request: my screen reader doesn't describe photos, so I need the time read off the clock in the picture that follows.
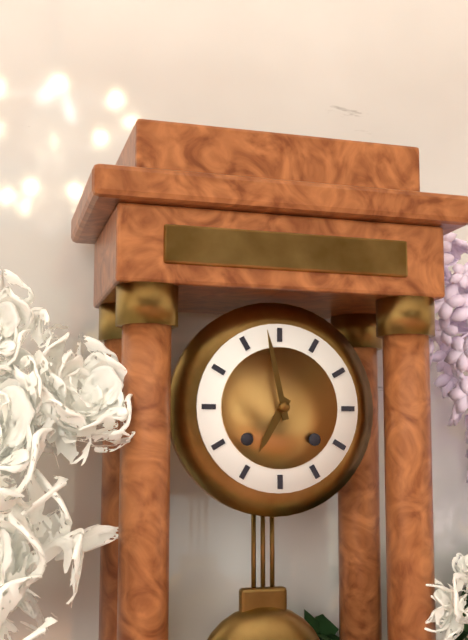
6:58
